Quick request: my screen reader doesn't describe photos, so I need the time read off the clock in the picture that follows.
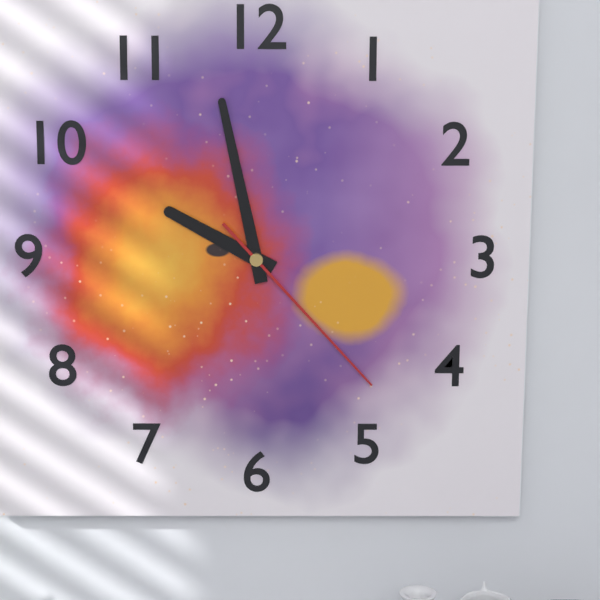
9:58:23
